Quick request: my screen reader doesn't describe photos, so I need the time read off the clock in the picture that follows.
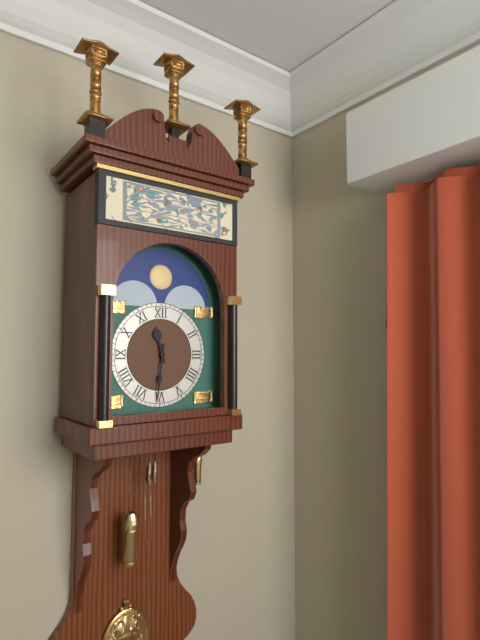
11:31
